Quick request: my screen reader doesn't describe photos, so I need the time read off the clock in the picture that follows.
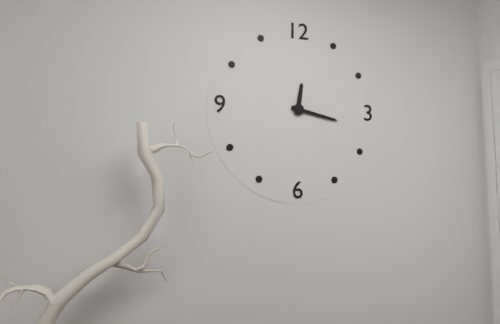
12:17
